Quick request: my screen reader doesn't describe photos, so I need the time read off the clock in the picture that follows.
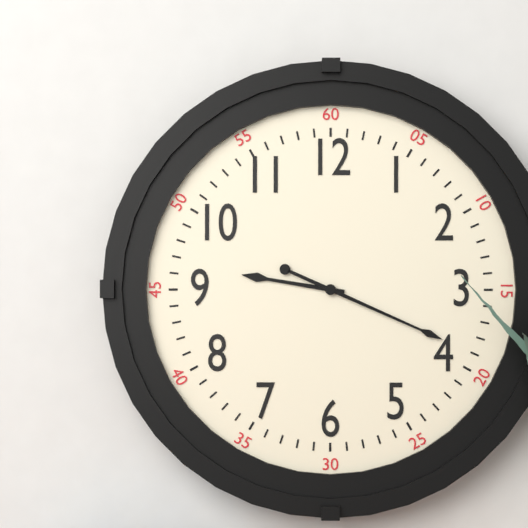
9:19
